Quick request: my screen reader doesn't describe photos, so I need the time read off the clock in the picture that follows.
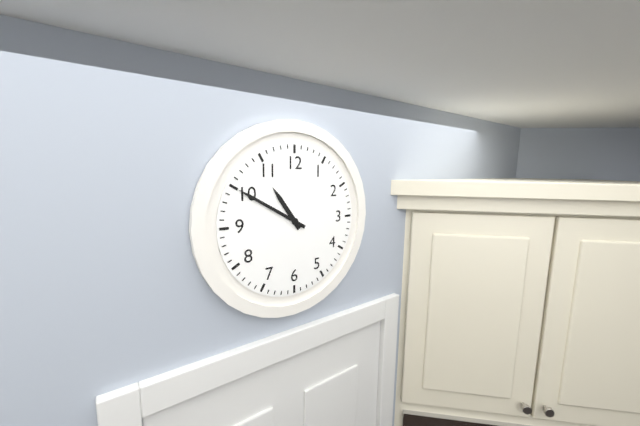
10:50
